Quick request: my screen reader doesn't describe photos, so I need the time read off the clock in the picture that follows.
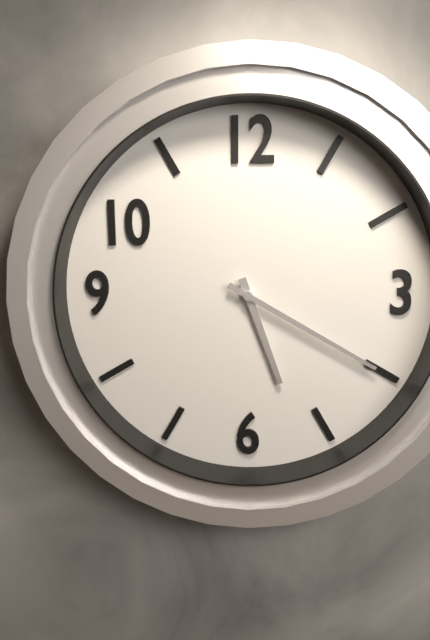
5:20
